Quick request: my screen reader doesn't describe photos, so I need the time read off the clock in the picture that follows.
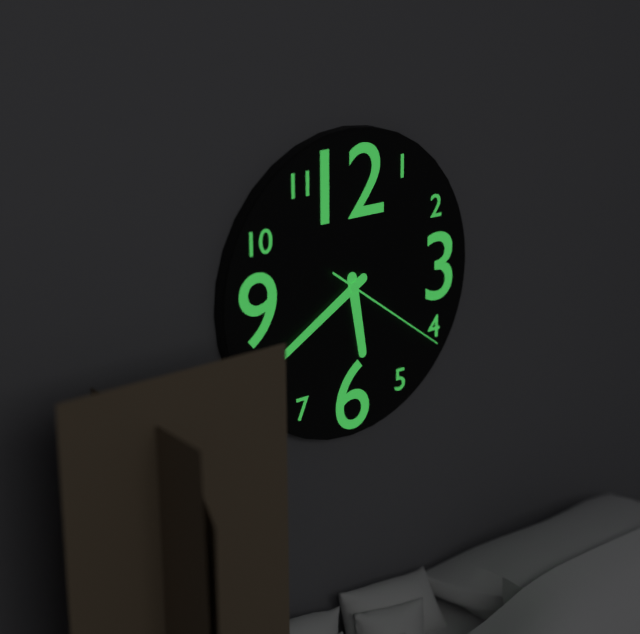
5:40:21
